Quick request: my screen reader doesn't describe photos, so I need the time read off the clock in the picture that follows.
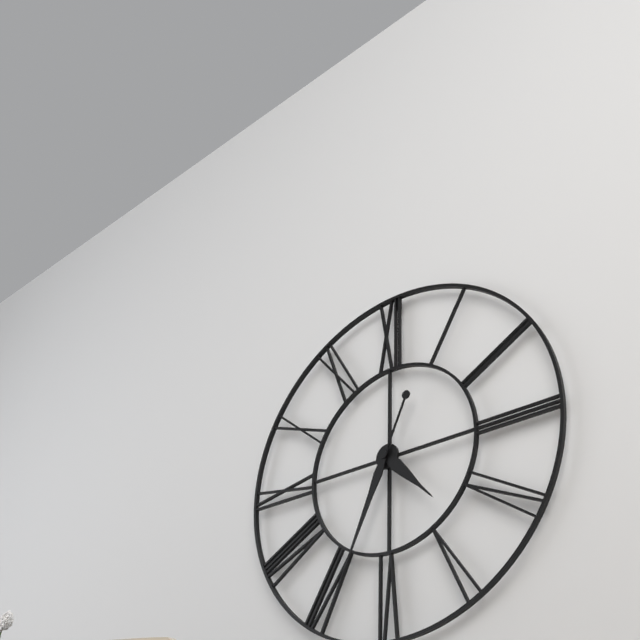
4:34
